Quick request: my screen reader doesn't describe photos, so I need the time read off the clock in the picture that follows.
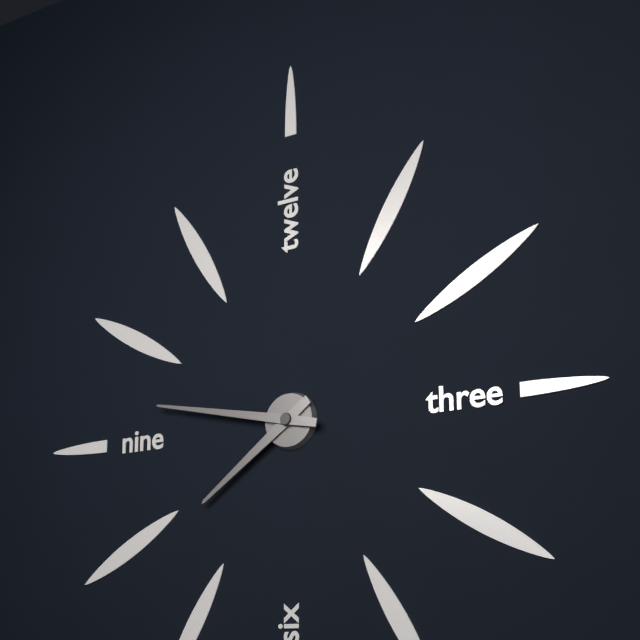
7:47
